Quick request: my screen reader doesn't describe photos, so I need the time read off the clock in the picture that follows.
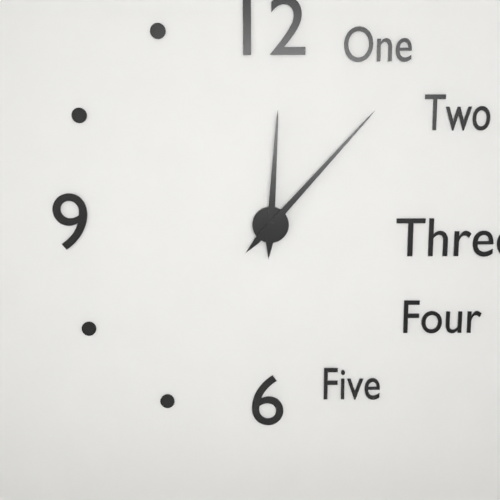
12:07
